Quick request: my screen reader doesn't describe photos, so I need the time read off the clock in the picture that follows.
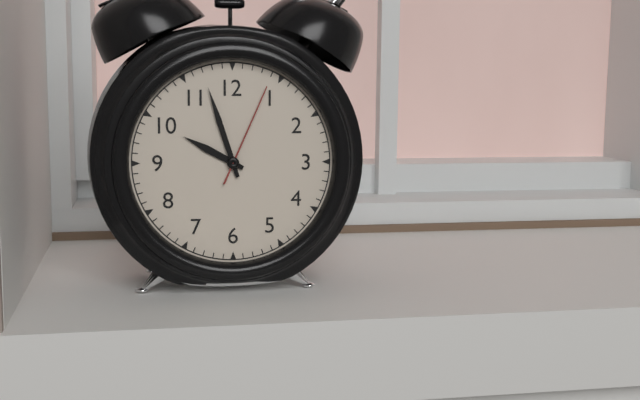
9:57:04
